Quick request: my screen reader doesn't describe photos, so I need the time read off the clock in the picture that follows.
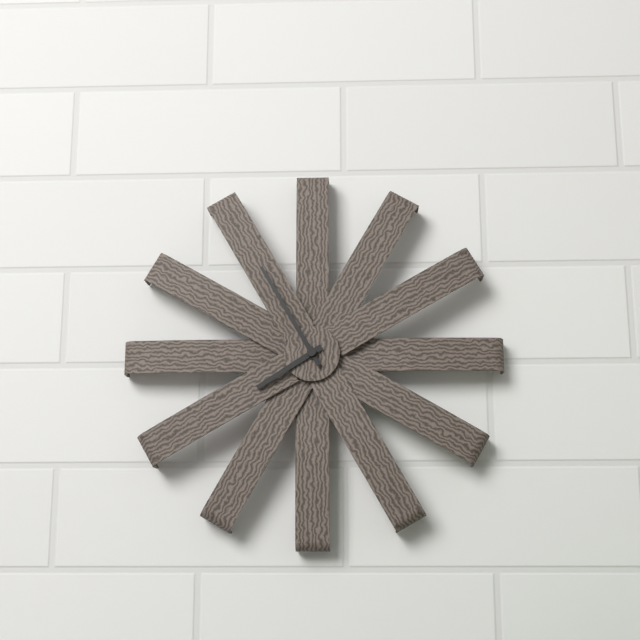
7:55
